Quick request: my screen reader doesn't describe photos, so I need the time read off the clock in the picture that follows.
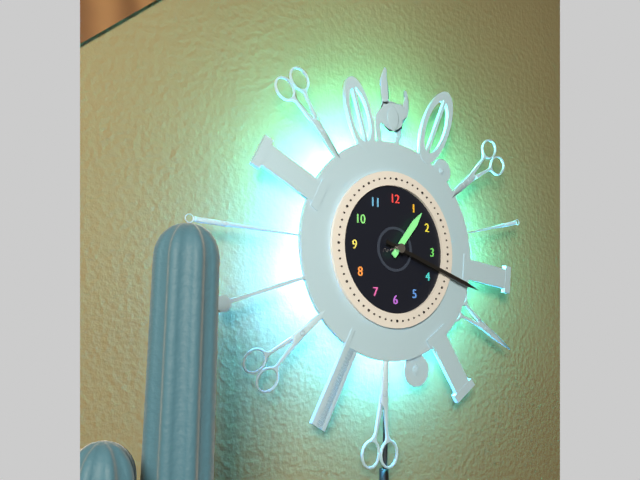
1:18
